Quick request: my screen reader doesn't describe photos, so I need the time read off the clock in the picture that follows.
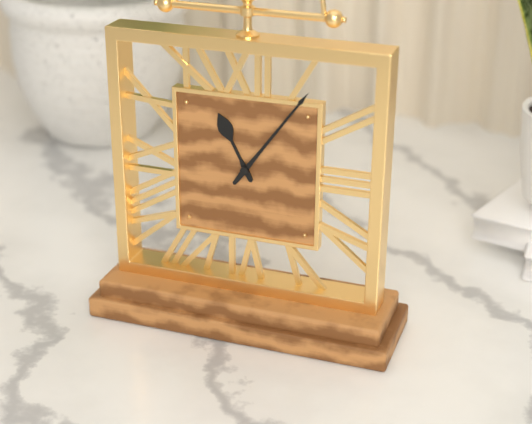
11:06
